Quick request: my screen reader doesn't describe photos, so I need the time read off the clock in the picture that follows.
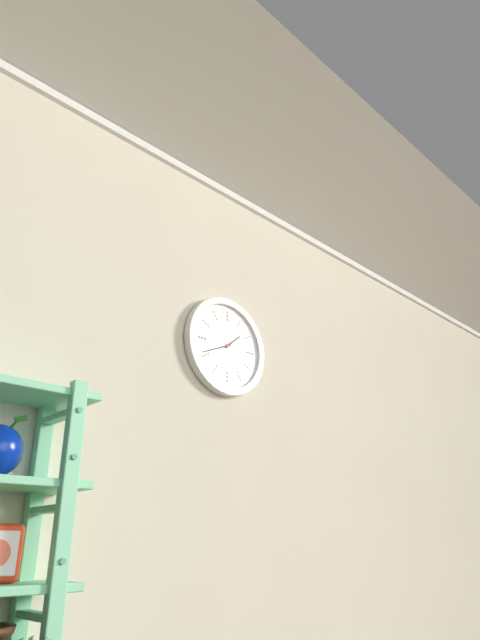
1:41
